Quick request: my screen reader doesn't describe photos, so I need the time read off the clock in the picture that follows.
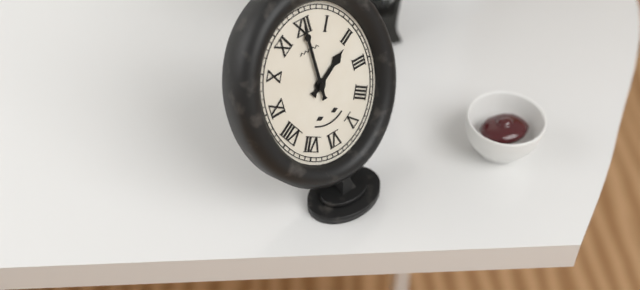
2:00
